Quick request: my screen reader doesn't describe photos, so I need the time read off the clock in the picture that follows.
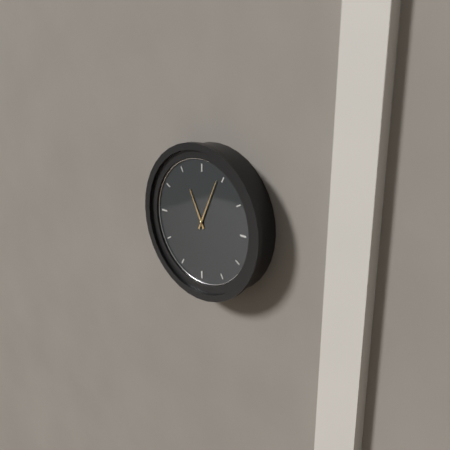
11:04
